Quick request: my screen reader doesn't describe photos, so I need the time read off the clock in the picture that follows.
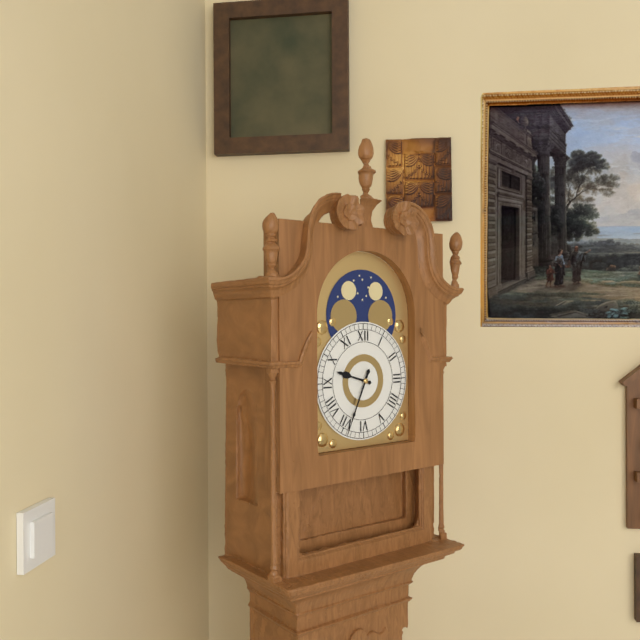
9:34
